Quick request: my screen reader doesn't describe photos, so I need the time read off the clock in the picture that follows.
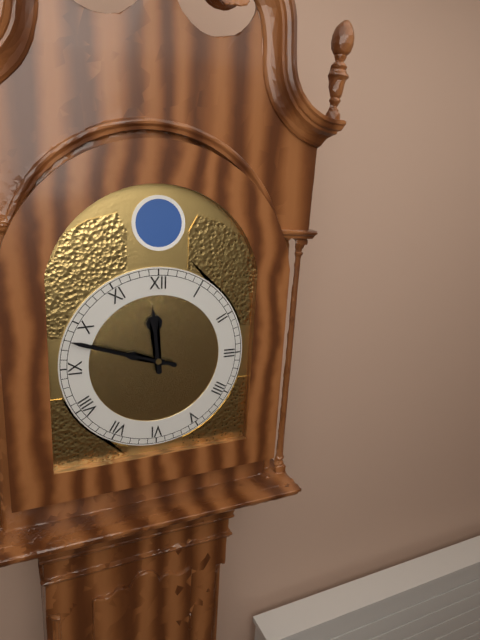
11:48
